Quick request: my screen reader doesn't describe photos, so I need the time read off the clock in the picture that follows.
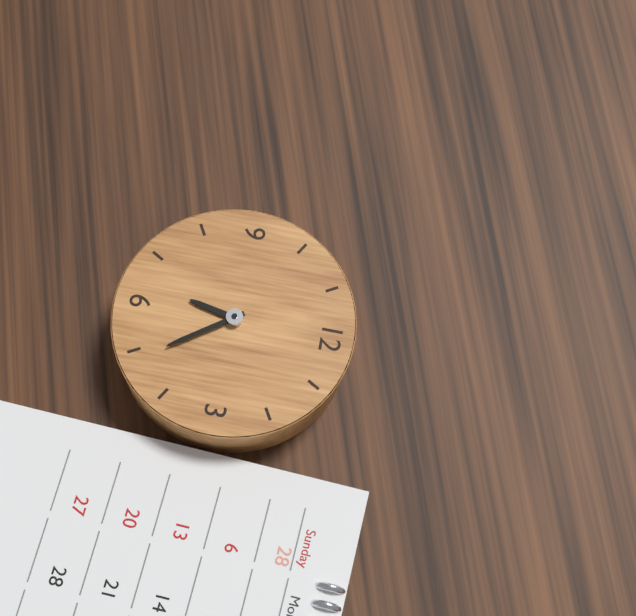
6:24
